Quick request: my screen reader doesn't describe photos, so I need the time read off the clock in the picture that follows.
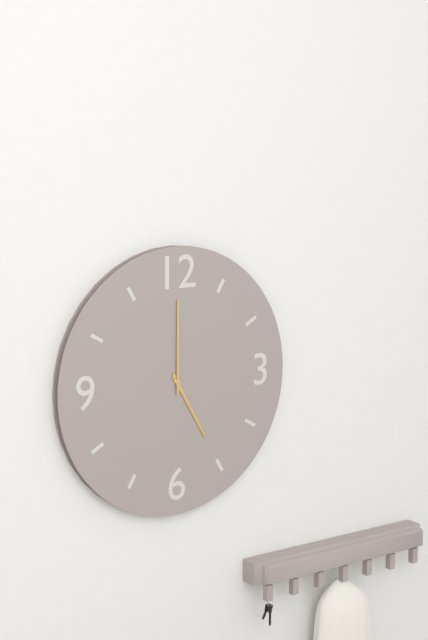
5:00
